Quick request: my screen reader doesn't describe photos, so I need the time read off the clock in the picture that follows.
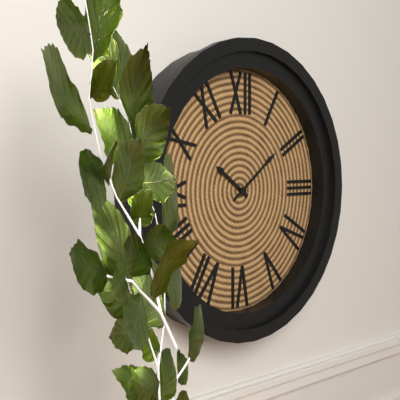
10:09
